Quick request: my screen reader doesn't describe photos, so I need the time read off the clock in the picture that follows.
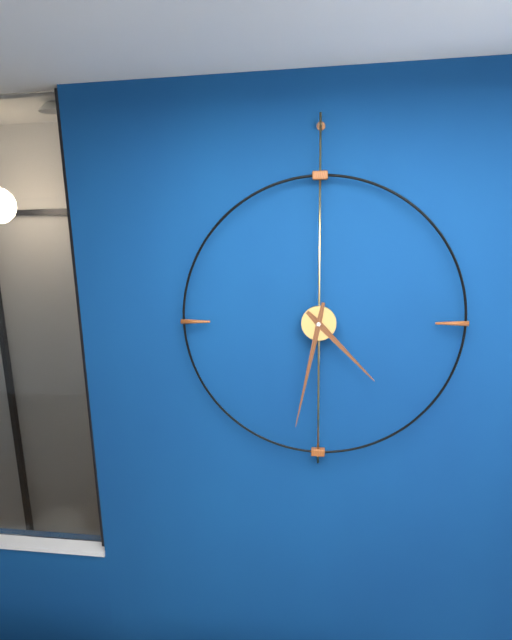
4:32
